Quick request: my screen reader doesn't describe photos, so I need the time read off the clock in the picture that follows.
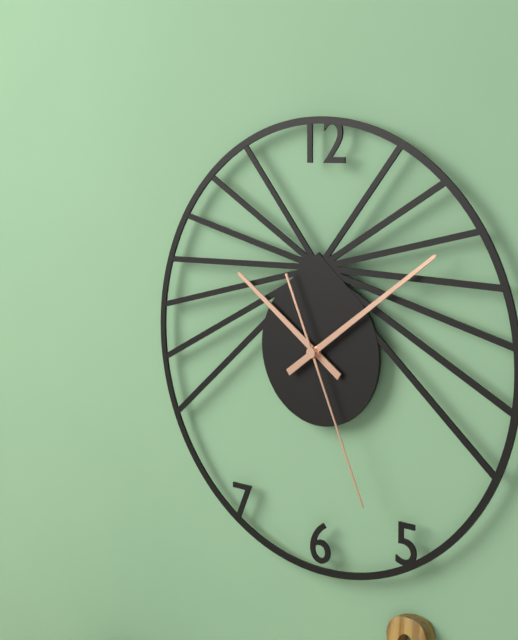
10:09:26
